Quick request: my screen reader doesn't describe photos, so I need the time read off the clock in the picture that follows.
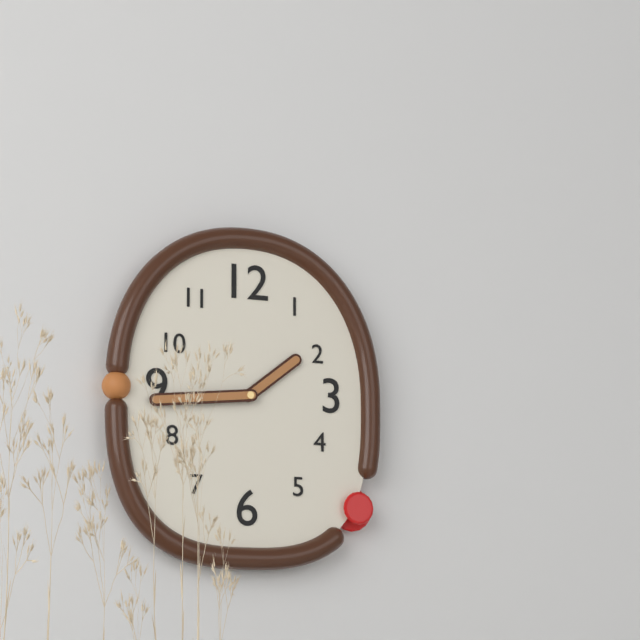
1:44
